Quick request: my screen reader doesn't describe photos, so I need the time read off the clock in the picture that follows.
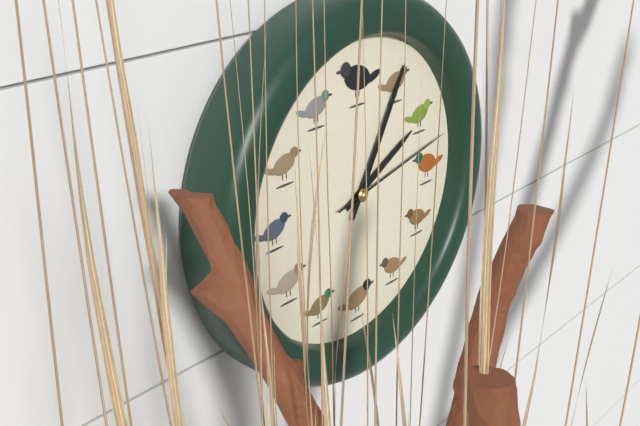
2:05:13
